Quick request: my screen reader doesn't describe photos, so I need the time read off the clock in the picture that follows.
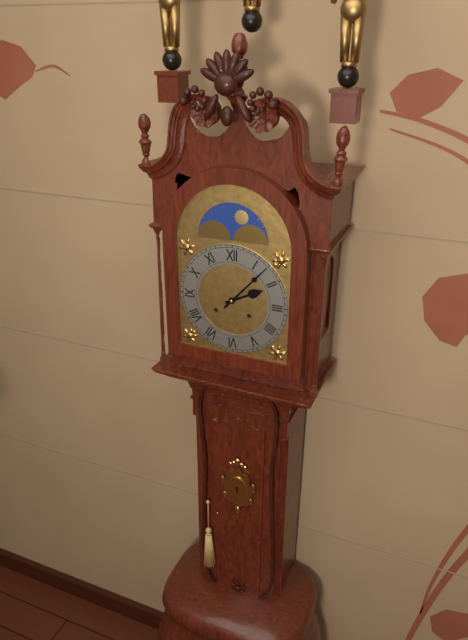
2:07
